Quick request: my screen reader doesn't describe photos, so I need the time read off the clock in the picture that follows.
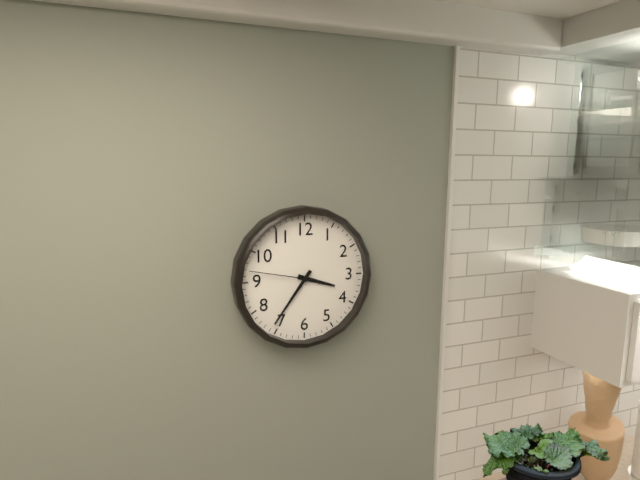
3:36:47
